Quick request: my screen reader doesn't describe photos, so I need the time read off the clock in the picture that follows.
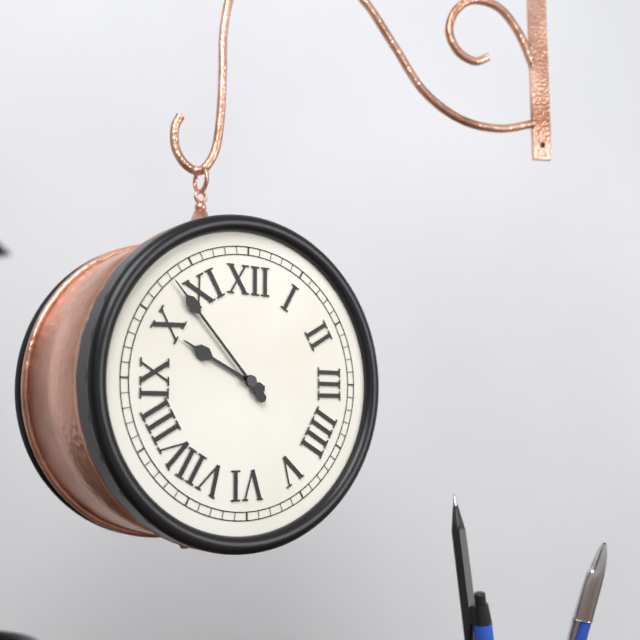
9:53
